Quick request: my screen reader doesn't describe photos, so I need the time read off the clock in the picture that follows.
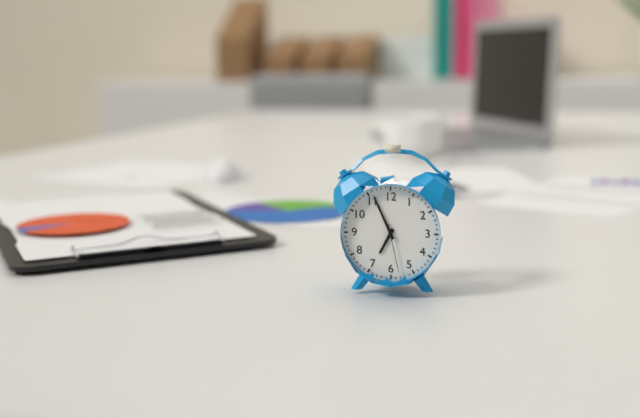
6:56:28
